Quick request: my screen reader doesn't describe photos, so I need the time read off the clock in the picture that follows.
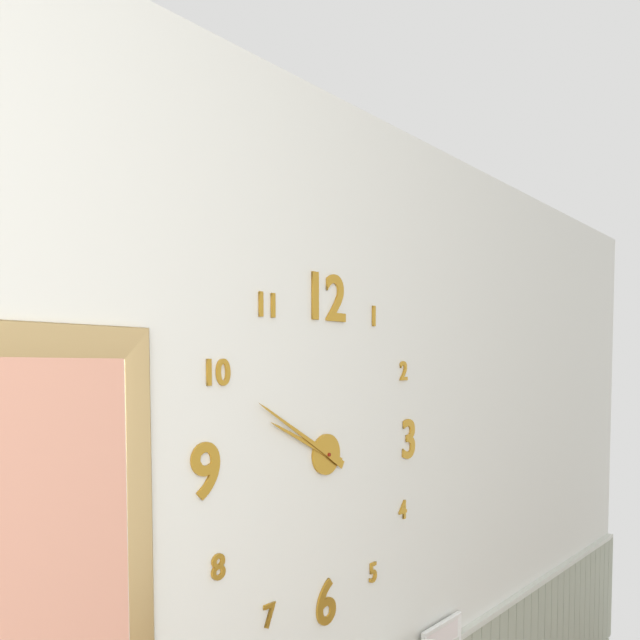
9:50
